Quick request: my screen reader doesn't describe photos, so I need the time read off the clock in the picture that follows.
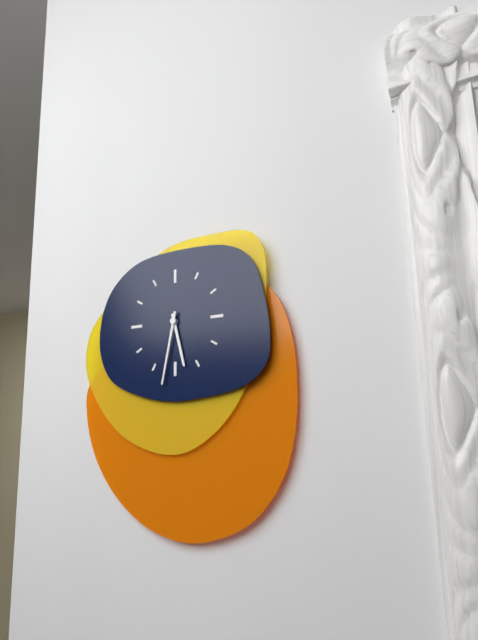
5:32
